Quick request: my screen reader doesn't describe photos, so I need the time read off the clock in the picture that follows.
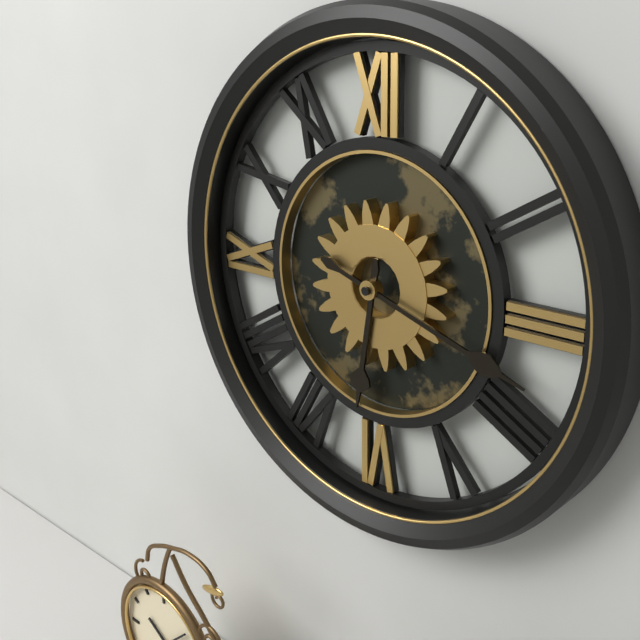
6:18
